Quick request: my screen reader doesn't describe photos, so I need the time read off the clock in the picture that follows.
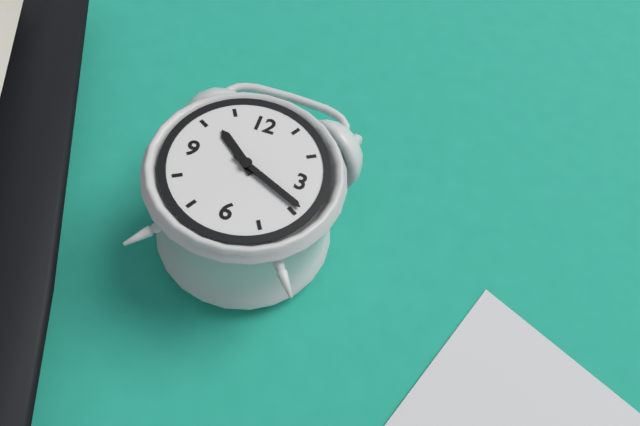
10:19
